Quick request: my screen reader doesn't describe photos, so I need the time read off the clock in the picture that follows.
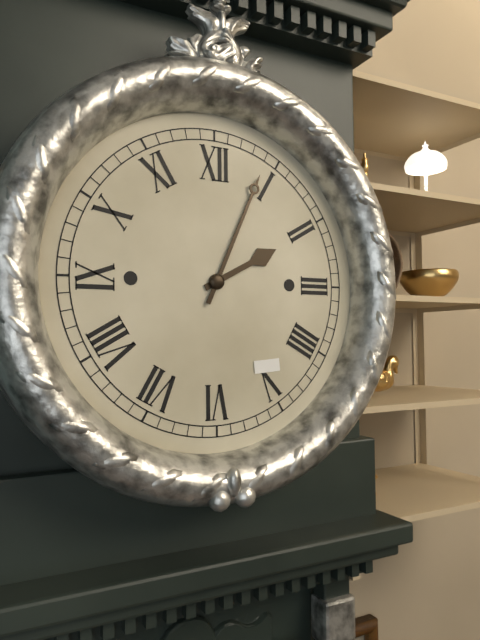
2:04
